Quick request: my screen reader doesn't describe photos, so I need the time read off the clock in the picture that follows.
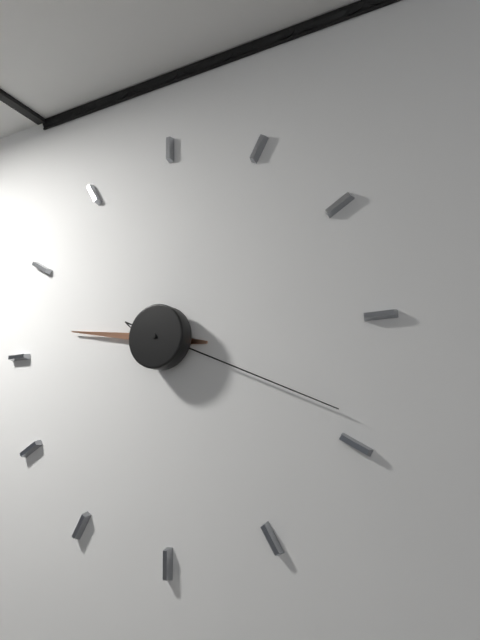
9:19
